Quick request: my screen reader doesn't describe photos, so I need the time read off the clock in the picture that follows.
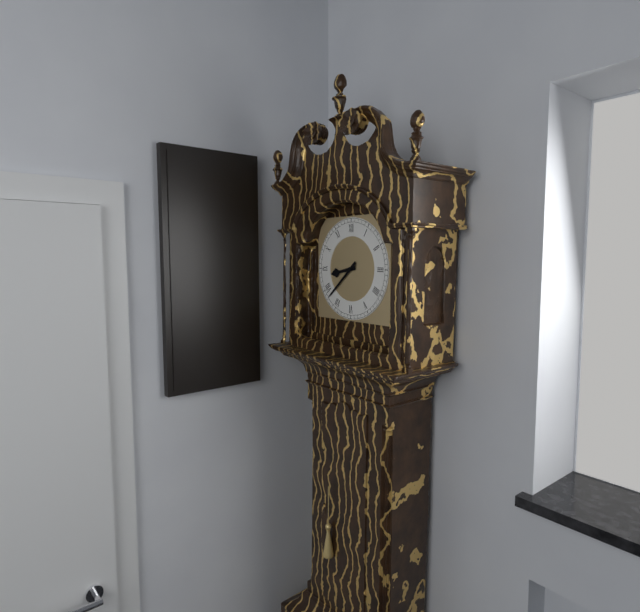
8:38
